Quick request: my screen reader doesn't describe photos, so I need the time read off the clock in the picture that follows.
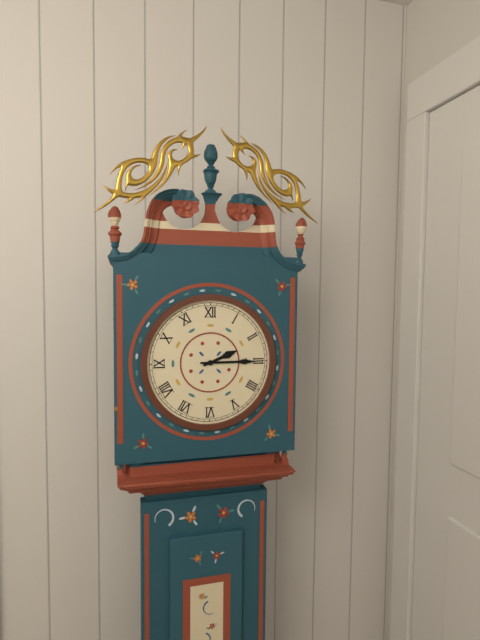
2:15
